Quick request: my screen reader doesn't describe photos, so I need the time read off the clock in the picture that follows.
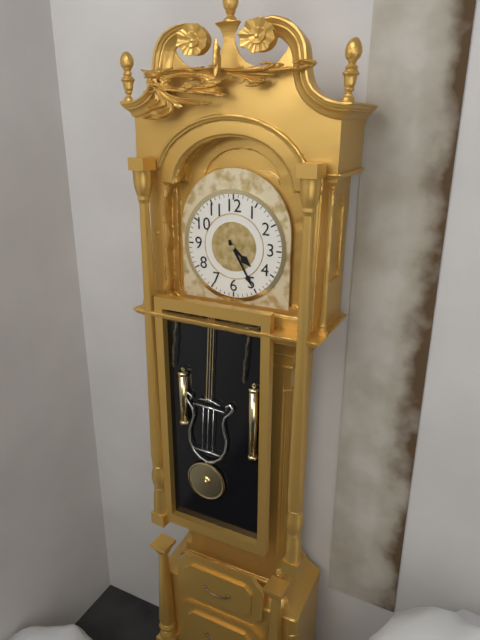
4:25
